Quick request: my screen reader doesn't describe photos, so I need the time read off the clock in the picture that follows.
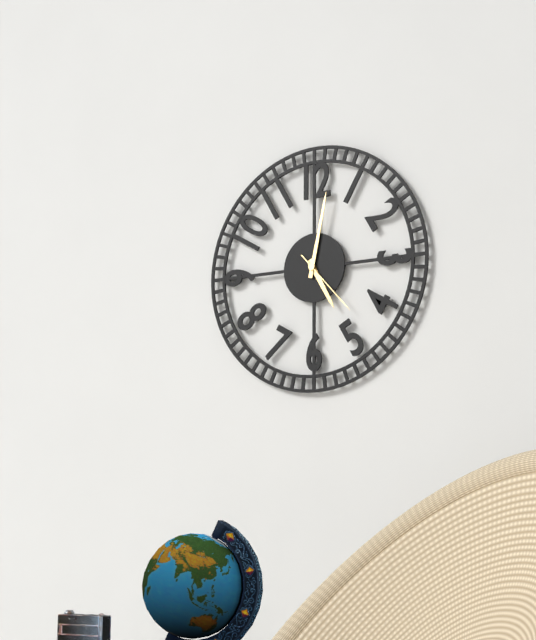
5:02:23
